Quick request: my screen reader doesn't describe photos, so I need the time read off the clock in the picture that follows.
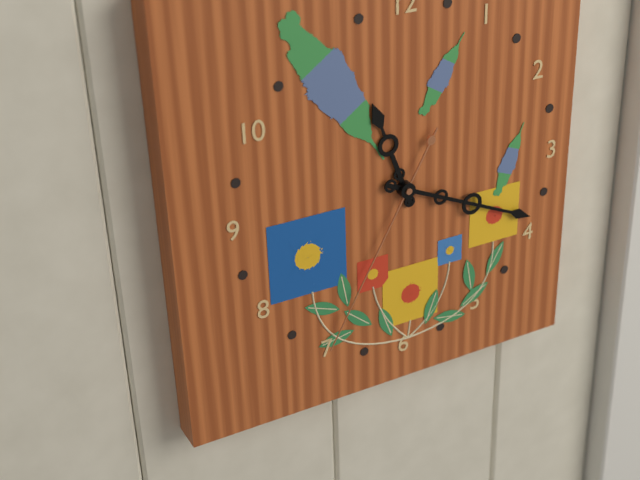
11:19:35
